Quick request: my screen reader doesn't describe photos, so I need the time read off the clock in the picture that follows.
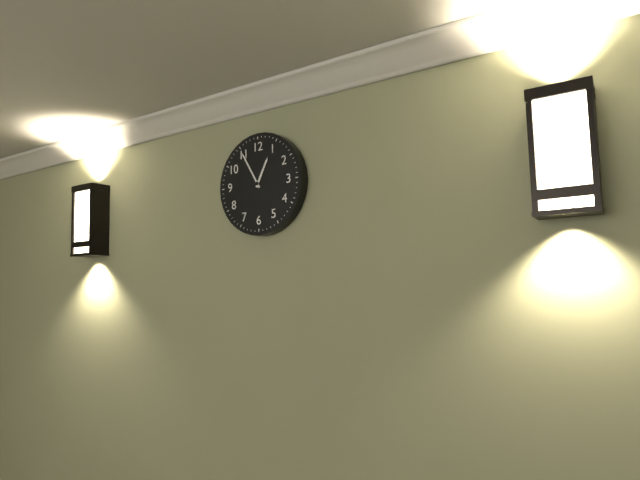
12:55
